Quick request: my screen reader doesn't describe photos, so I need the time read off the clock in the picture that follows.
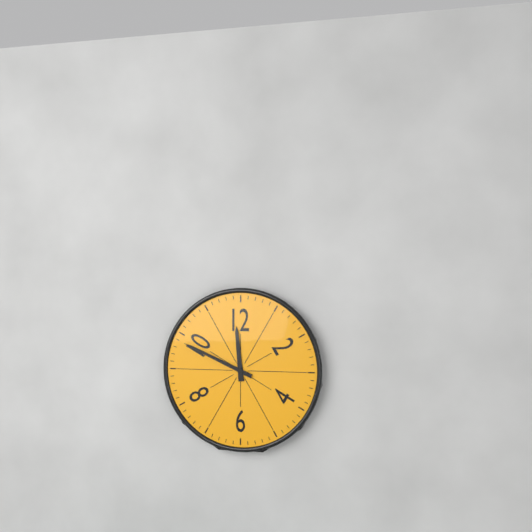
11:49
